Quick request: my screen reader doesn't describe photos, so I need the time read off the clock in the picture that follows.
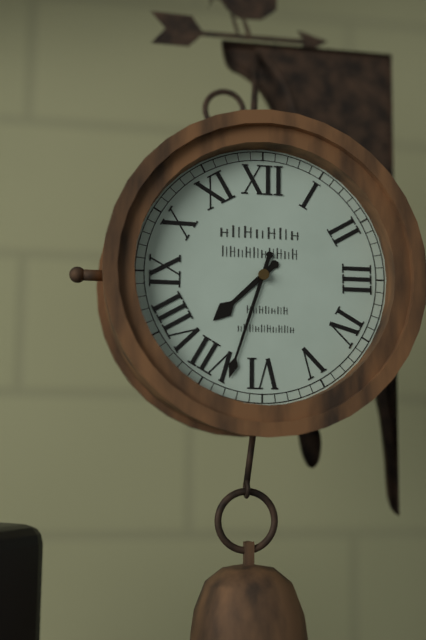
7:33
